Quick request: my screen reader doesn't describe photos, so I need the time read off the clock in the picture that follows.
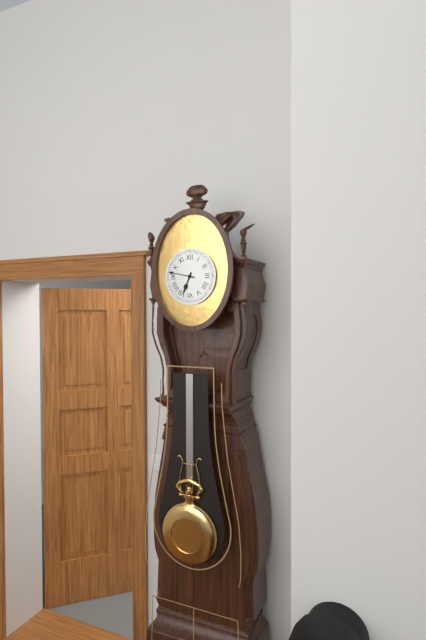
6:47
